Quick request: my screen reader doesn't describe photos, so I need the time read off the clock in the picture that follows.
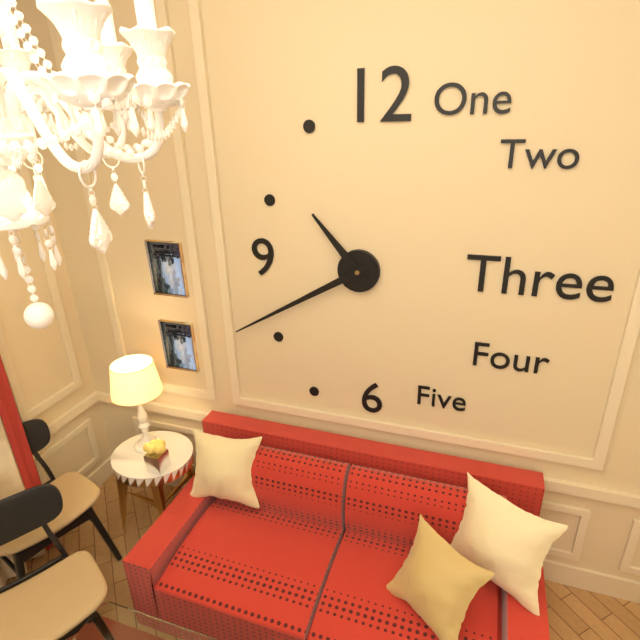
10:40
